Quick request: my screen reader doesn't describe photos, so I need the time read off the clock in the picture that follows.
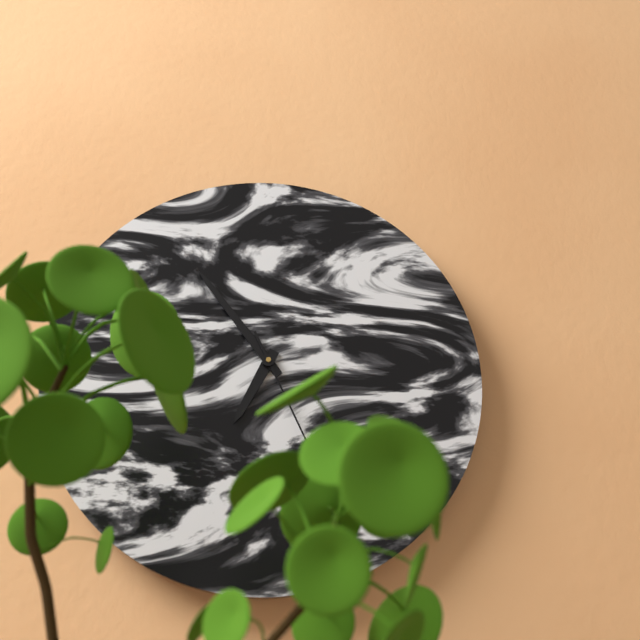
6:54
